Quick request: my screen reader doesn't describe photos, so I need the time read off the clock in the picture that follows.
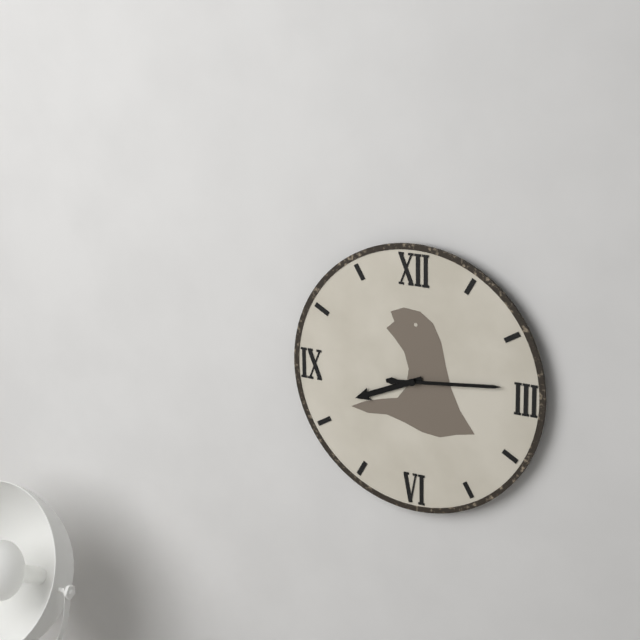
8:14
